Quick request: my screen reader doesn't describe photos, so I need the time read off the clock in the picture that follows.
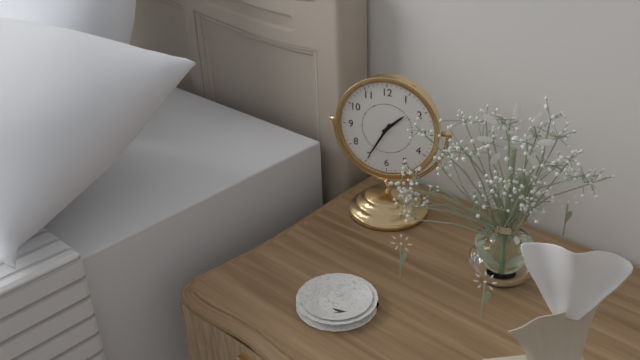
1:35
